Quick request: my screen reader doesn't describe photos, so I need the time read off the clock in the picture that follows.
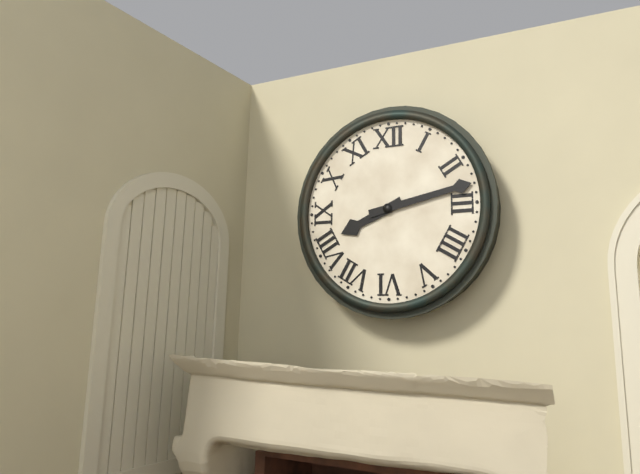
8:13
